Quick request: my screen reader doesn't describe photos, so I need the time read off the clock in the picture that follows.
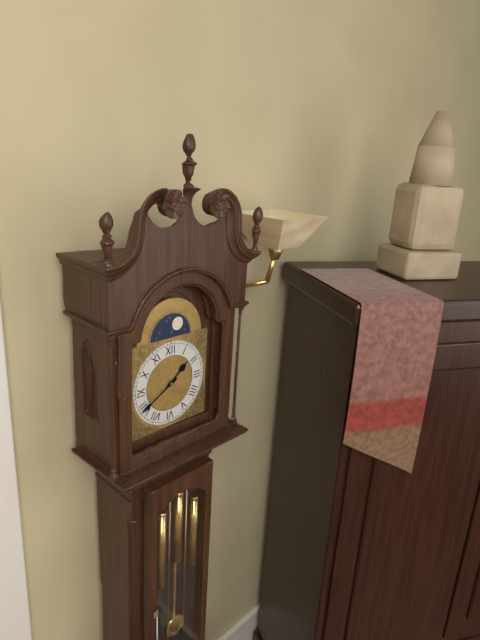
1:40
